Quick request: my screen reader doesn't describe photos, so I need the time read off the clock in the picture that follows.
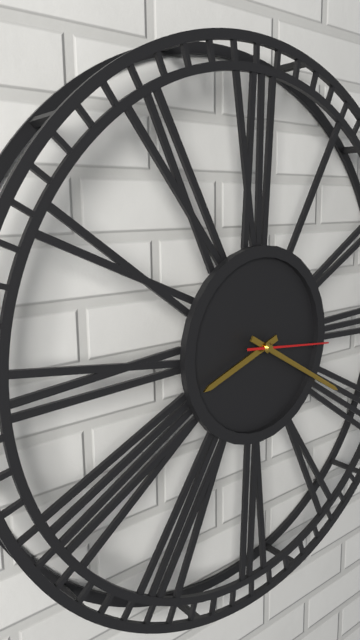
8:20:16
